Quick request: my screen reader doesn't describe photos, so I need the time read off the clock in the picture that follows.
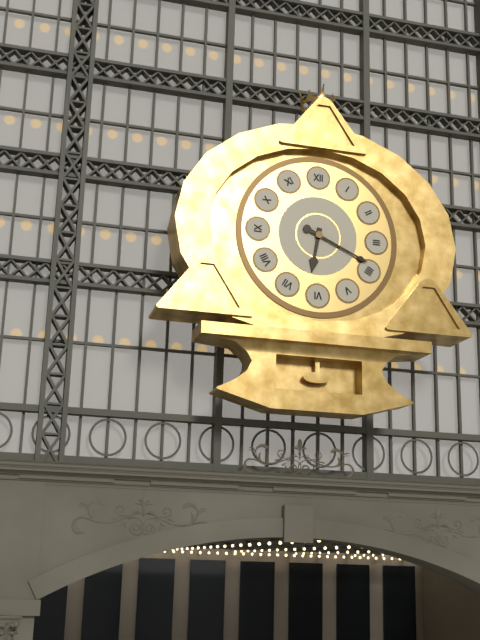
6:19
